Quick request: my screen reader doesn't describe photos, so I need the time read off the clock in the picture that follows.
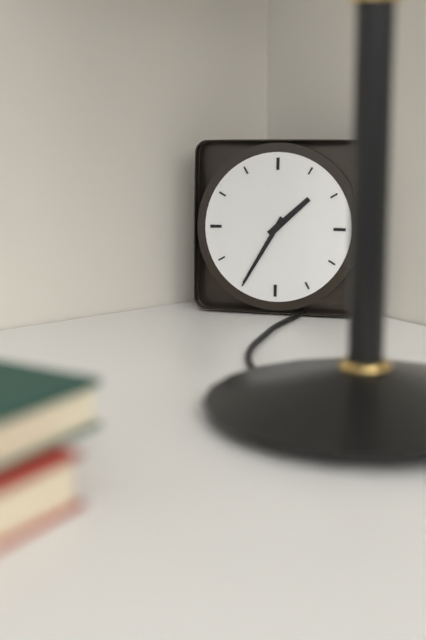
1:35
